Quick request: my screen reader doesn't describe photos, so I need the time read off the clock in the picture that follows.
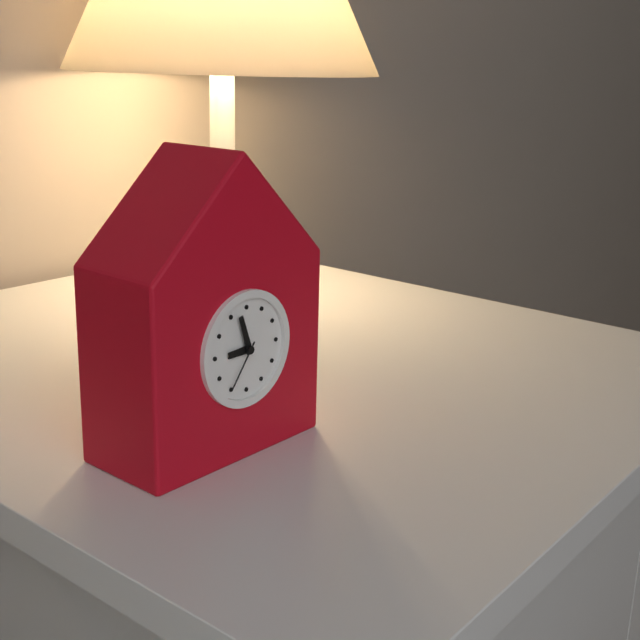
8:57:36
